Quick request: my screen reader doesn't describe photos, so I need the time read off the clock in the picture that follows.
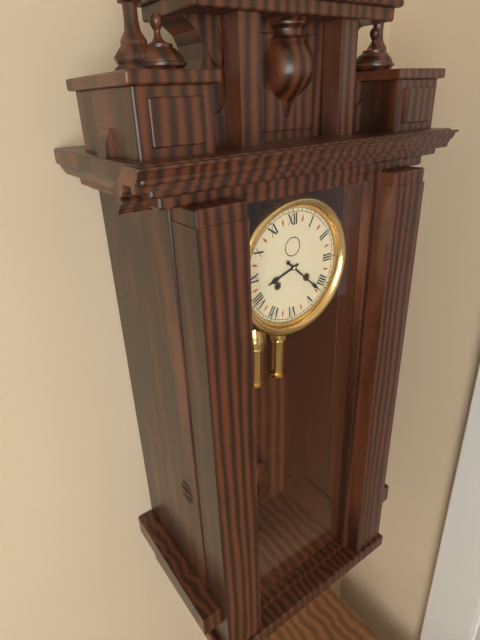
8:22
